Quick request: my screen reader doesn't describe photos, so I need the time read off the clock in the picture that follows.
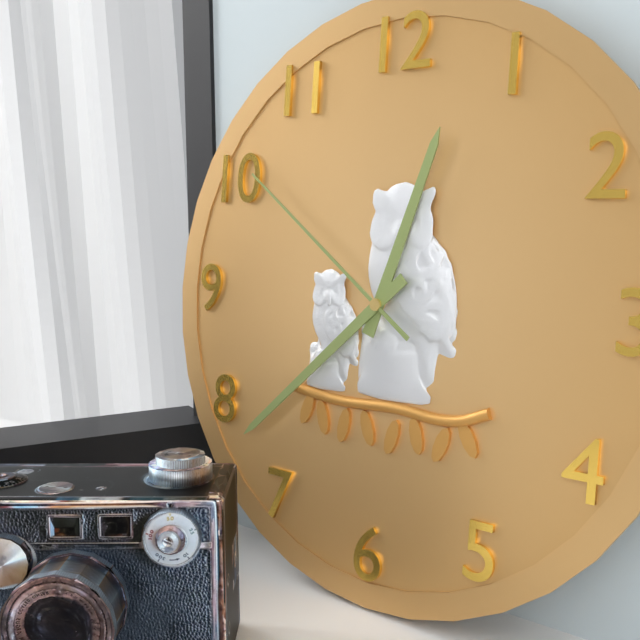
12:38:51
